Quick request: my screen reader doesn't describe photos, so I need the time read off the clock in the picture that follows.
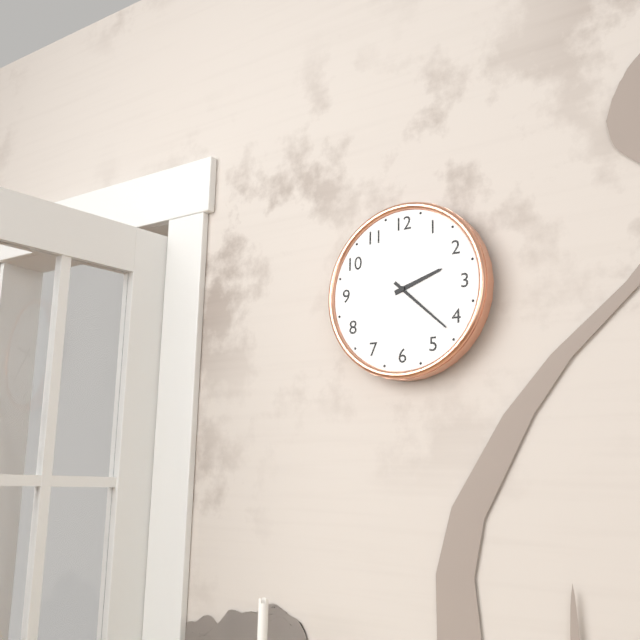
2:22
